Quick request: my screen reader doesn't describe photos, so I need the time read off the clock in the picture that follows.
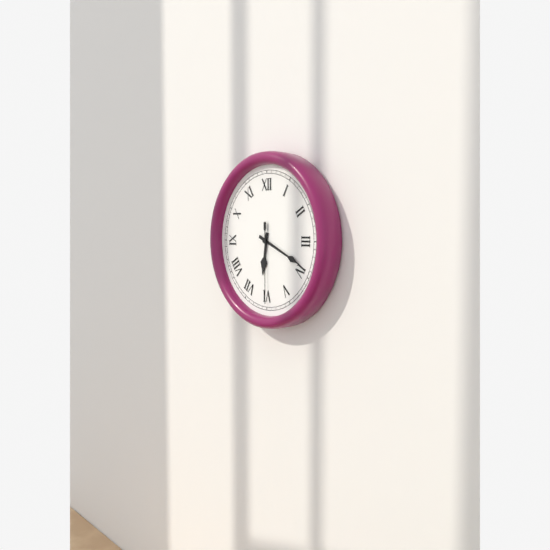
6:19:30
